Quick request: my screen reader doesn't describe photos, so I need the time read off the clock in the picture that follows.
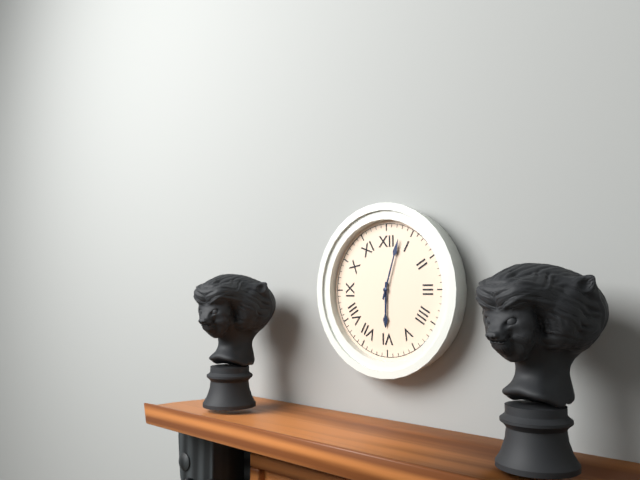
6:03
